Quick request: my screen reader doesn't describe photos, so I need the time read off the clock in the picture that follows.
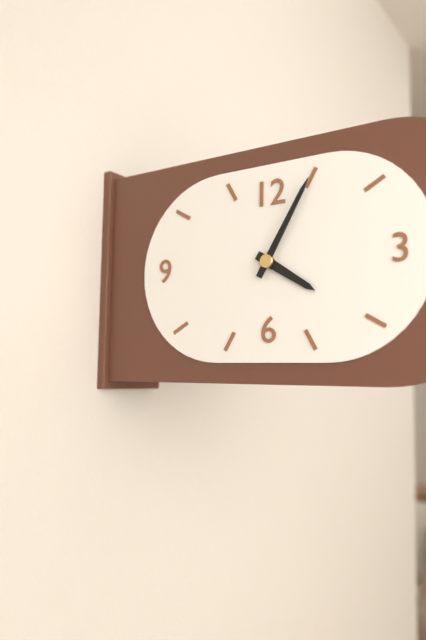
4:05
